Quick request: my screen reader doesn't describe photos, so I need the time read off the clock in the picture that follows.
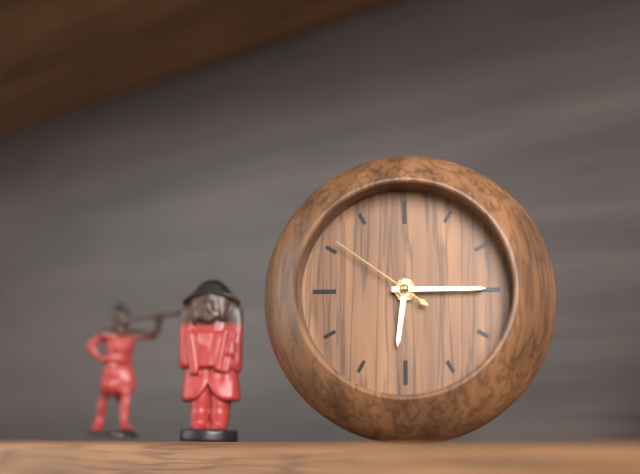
6:15:51
